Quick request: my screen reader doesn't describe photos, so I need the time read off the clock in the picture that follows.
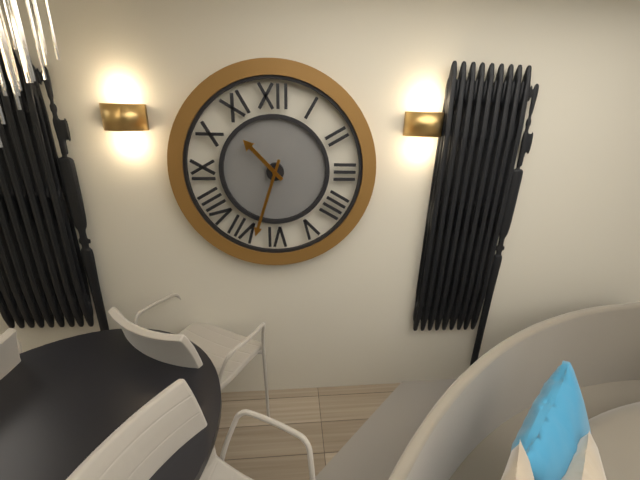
10:33
